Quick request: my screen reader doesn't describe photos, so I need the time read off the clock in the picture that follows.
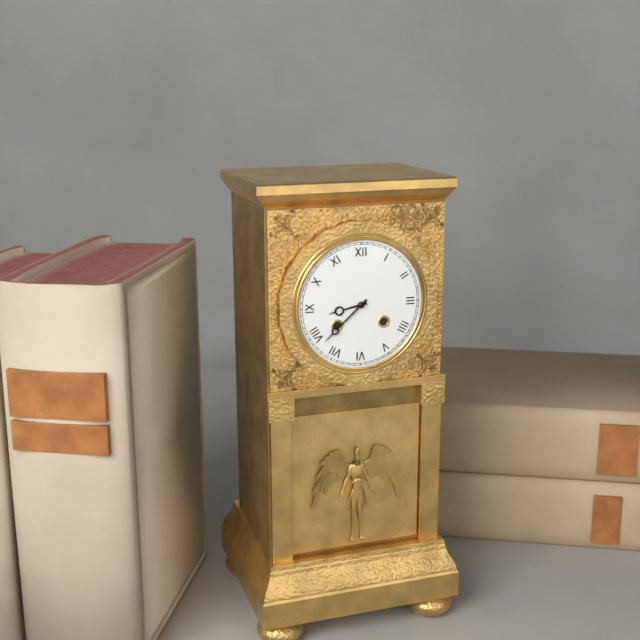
8:38
